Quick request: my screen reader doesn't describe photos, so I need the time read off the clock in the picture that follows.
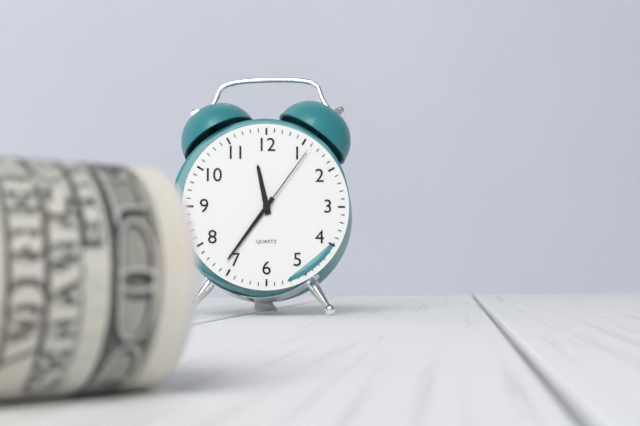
11:36:06
